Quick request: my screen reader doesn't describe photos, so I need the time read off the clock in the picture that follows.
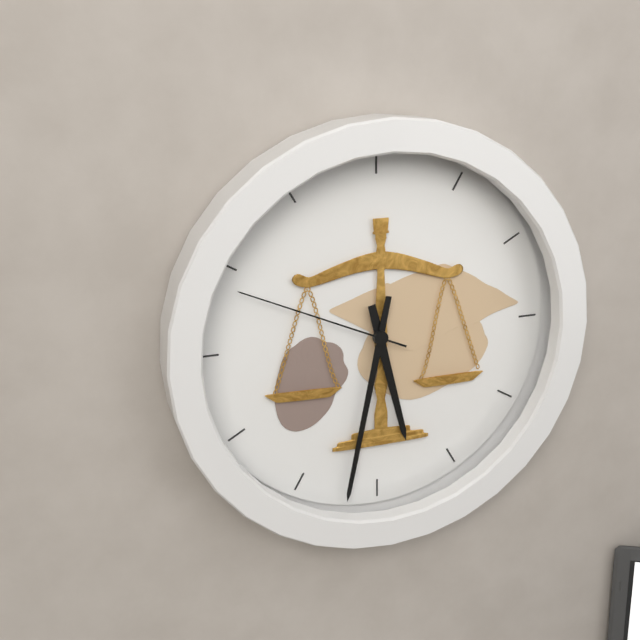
5:32:49
